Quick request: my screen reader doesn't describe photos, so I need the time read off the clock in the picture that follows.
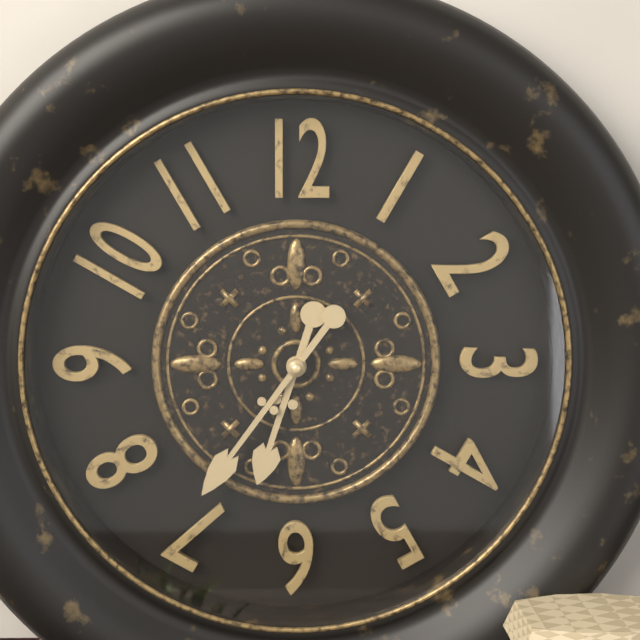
6:36
